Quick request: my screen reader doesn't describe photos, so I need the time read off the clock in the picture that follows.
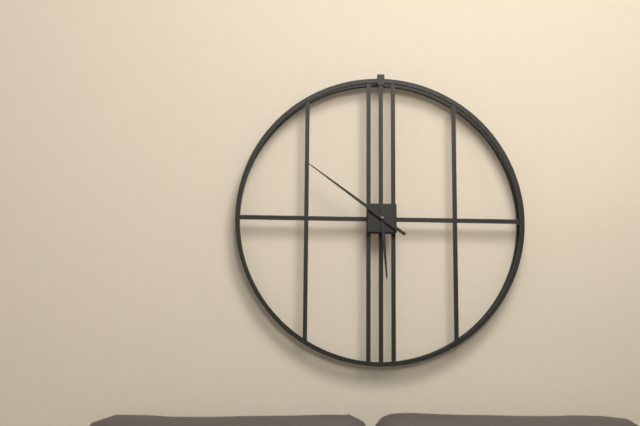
5:51
